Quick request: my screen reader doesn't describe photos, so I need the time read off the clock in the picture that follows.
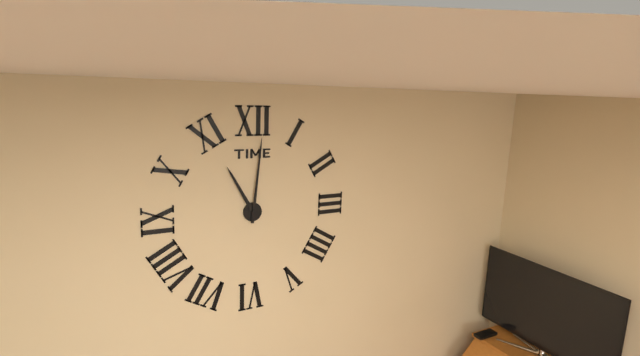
11:01
